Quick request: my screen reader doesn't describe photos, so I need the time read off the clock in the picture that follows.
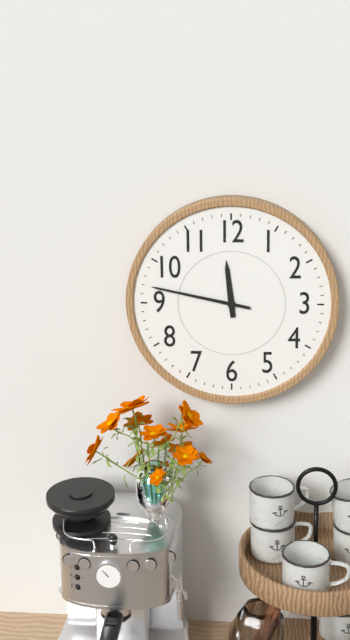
11:47
